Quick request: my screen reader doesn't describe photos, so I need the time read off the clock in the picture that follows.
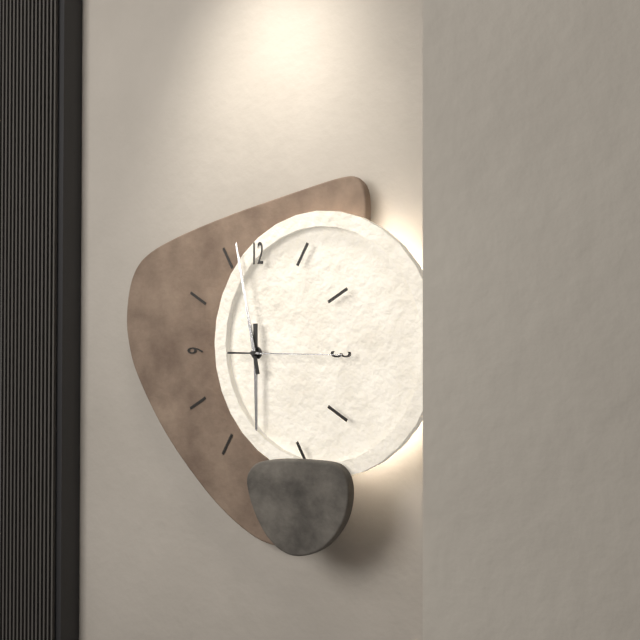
5:58:15
